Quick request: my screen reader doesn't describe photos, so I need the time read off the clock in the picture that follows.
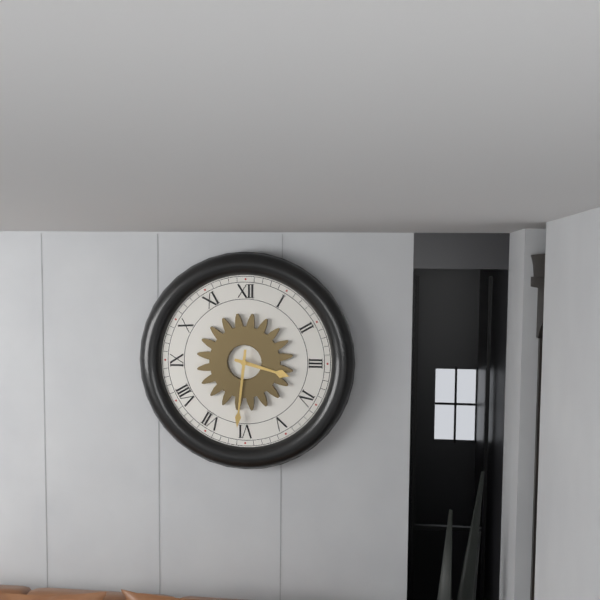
3:31
